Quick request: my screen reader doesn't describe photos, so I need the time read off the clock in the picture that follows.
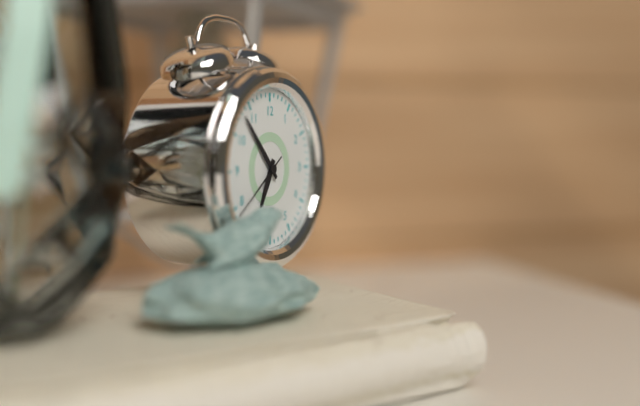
6:53:39
